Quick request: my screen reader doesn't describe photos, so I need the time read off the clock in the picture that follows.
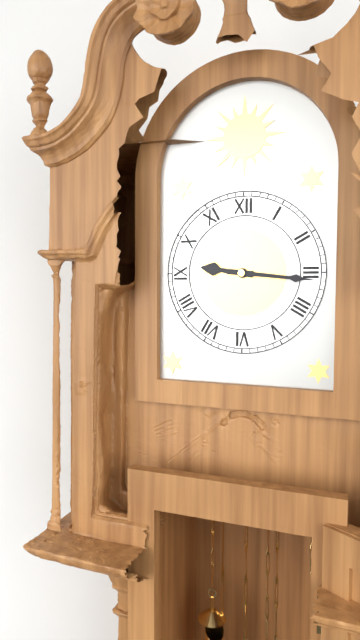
9:16
